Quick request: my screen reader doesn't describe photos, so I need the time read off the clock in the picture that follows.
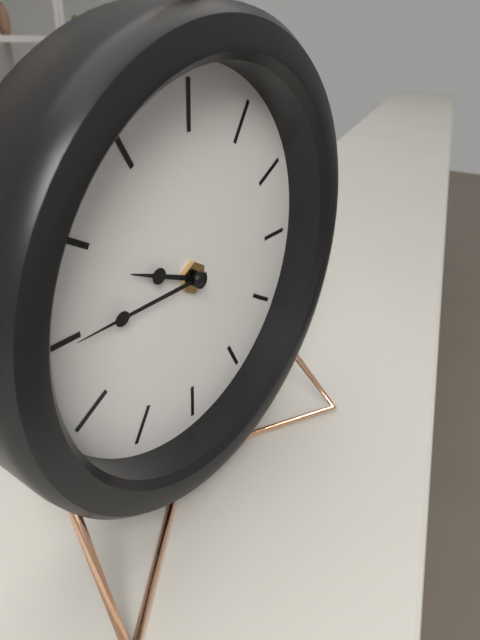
9:45
